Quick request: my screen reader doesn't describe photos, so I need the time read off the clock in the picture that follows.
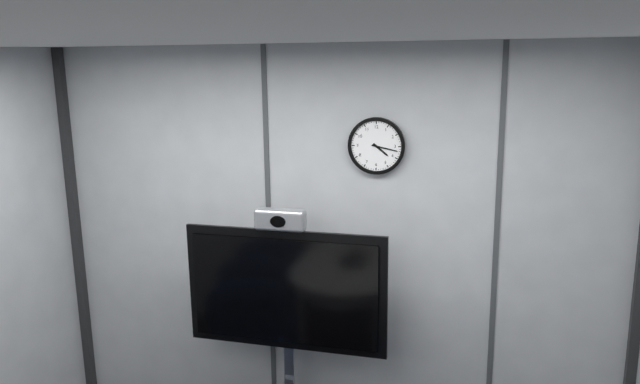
4:17
